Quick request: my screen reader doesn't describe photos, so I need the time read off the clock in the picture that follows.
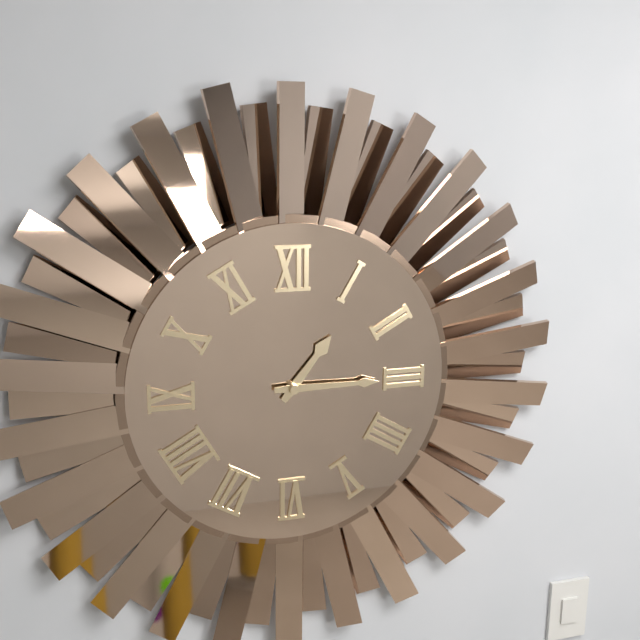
1:15
